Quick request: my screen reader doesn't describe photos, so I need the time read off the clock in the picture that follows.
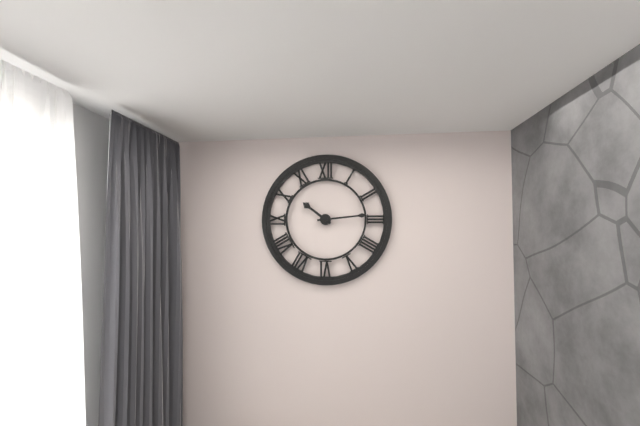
10:14
